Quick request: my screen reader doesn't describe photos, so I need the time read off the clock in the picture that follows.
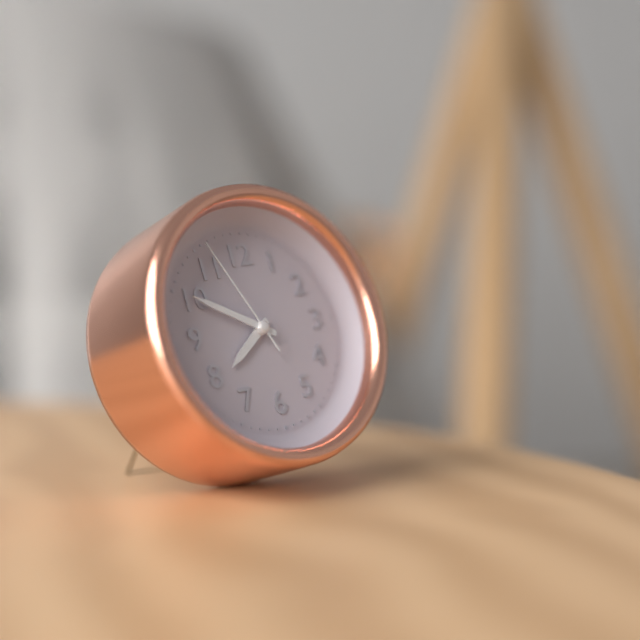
7:50:56
